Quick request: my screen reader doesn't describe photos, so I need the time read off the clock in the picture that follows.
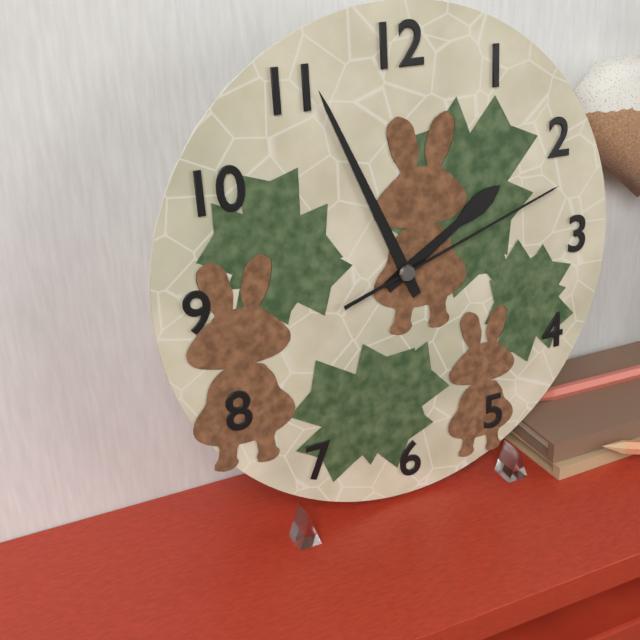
1:56:12
